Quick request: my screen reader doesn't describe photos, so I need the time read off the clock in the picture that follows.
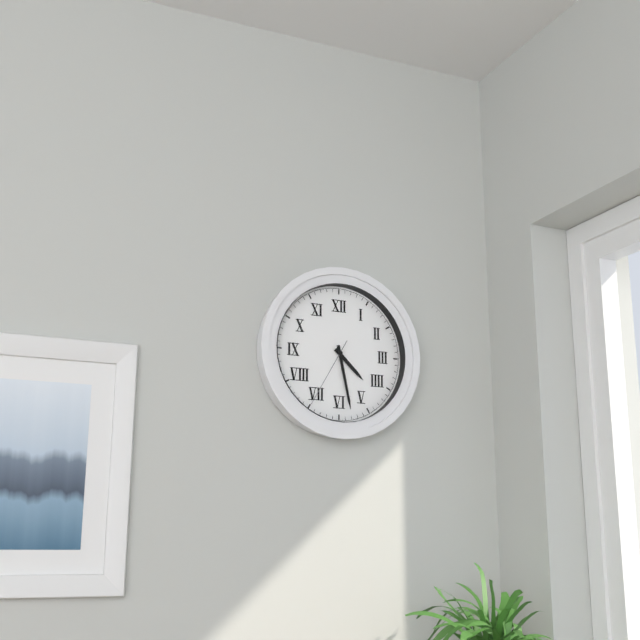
4:28:35
